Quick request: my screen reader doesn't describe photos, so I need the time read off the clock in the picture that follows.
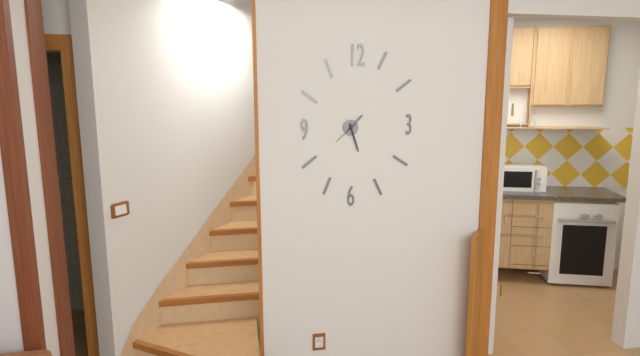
1:27
